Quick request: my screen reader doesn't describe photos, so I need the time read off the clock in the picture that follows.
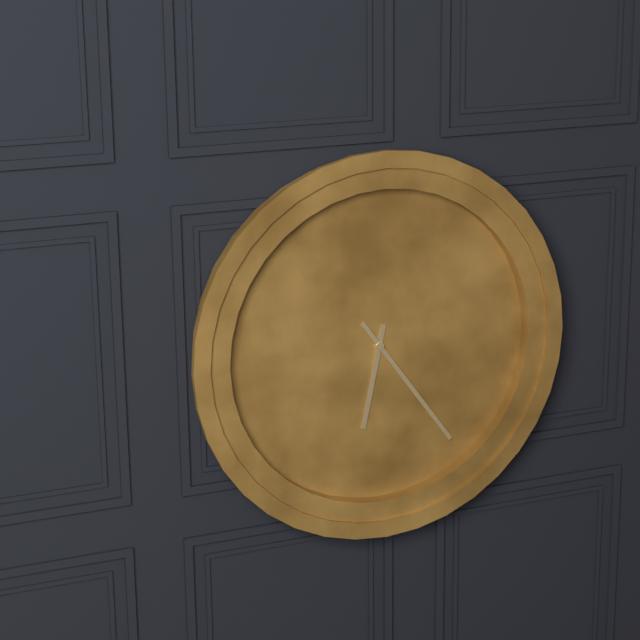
6:24
